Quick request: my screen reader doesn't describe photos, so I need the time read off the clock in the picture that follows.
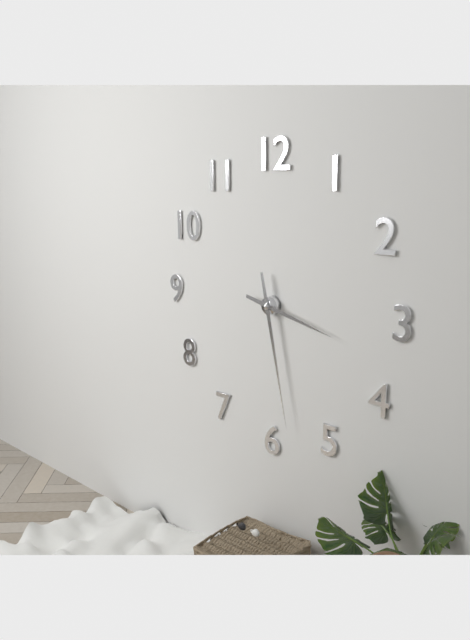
3:28
